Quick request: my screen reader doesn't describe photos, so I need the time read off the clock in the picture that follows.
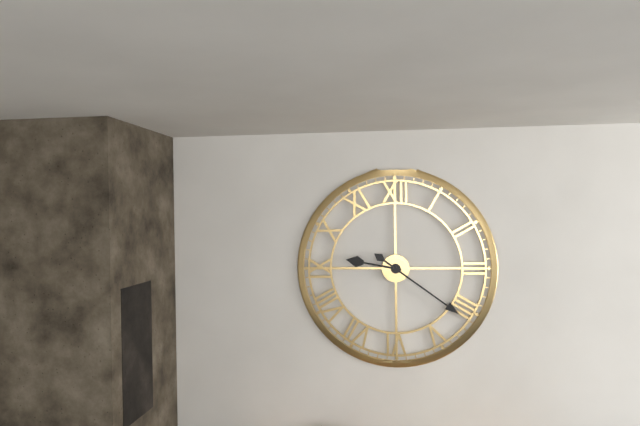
9:21
